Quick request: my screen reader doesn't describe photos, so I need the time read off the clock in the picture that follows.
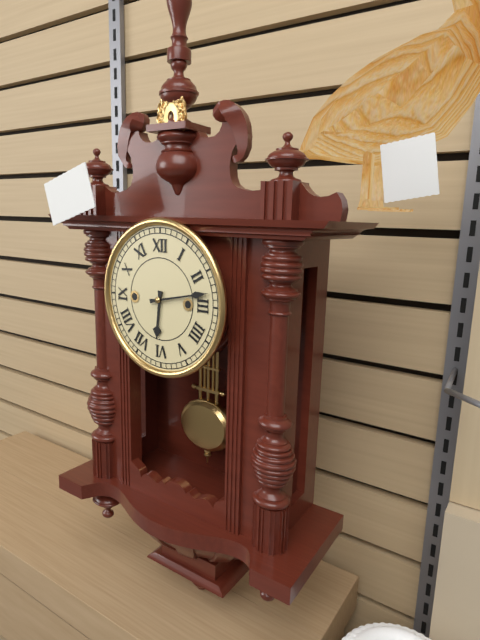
6:13
